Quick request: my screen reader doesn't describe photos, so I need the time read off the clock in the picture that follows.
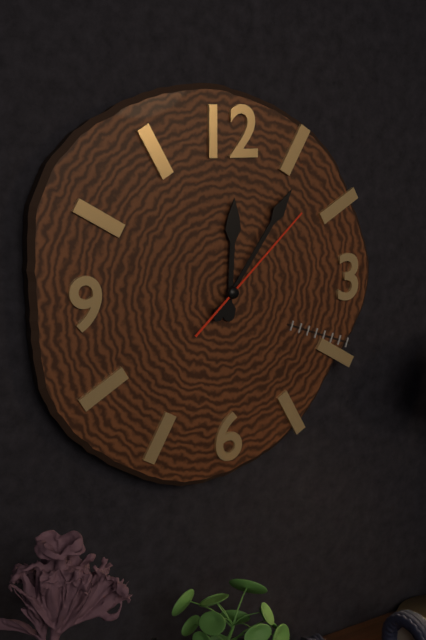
12:06:08
